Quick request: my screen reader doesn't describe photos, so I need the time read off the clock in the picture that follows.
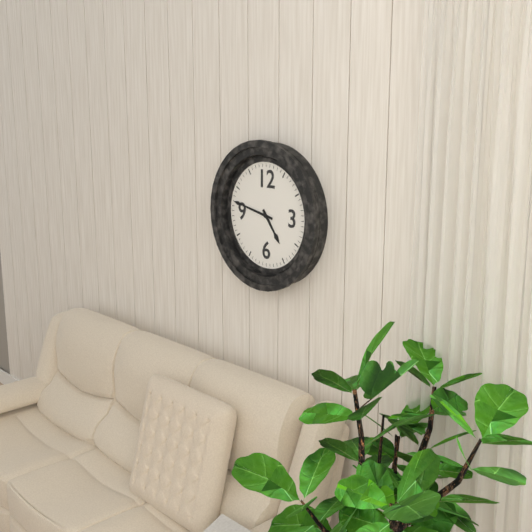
4:47
